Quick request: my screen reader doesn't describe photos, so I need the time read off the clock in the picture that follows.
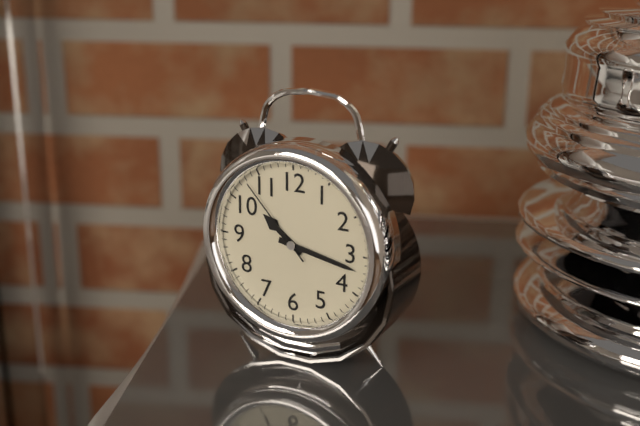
10:17:53
